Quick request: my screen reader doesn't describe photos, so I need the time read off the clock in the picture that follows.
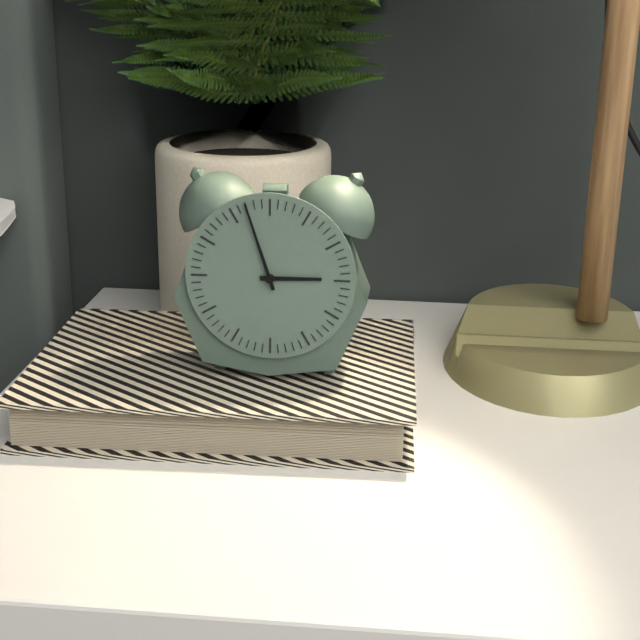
2:57
